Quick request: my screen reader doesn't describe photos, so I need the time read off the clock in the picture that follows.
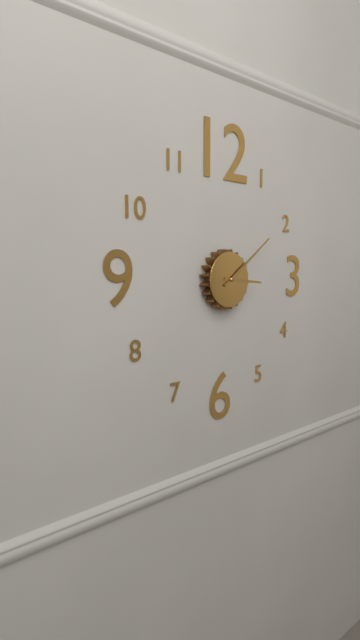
3:09
